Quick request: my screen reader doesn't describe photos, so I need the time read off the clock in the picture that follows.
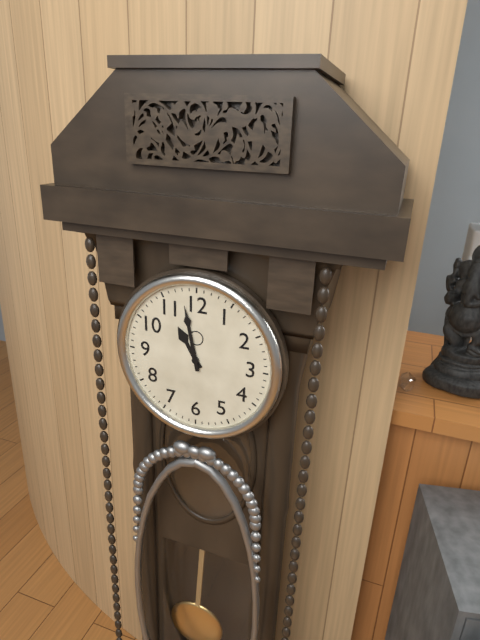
10:58
